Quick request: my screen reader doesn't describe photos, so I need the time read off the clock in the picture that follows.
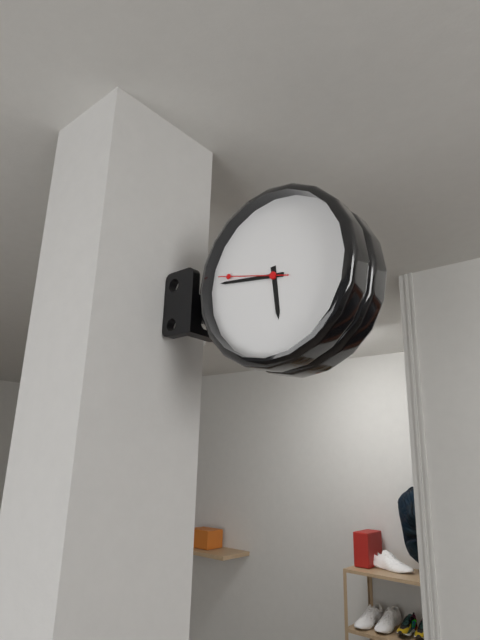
5:46:47
